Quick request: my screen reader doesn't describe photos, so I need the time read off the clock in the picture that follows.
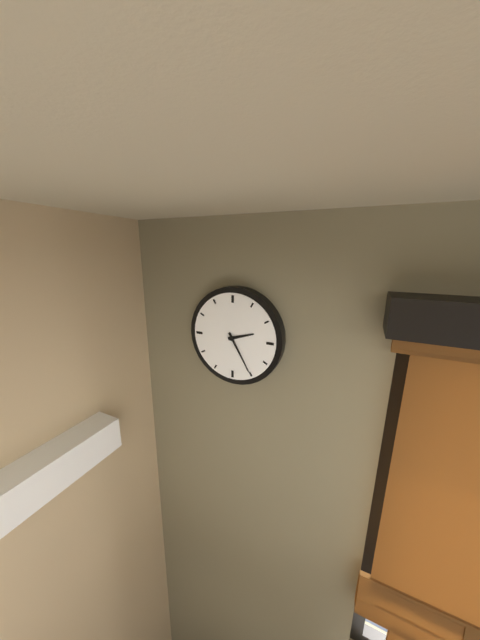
2:25
